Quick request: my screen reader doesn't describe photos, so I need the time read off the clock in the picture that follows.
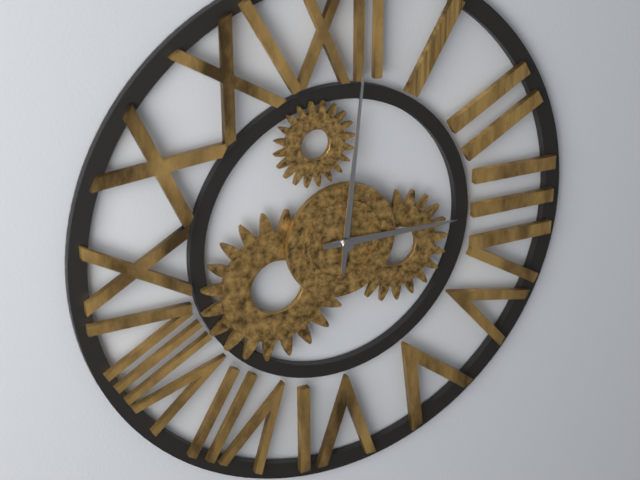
3:01
